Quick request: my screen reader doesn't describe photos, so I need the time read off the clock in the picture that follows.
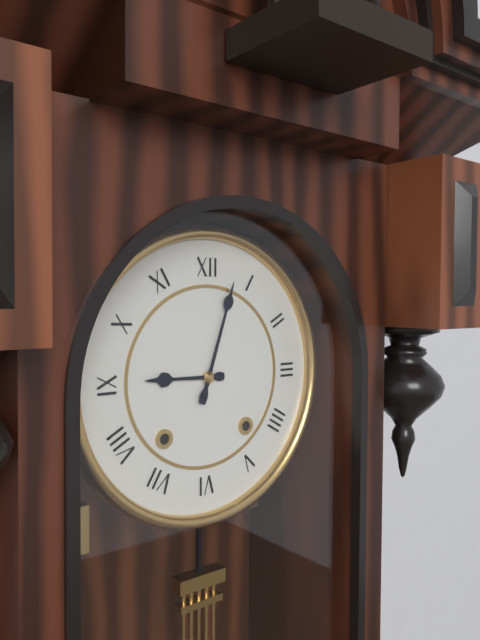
9:03
